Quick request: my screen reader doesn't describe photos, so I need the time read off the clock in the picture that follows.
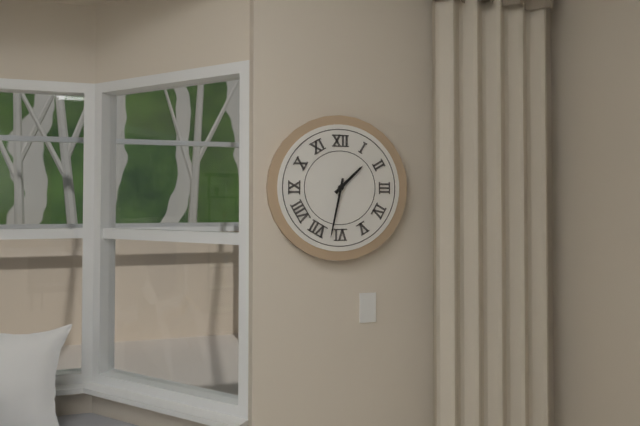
1:32
